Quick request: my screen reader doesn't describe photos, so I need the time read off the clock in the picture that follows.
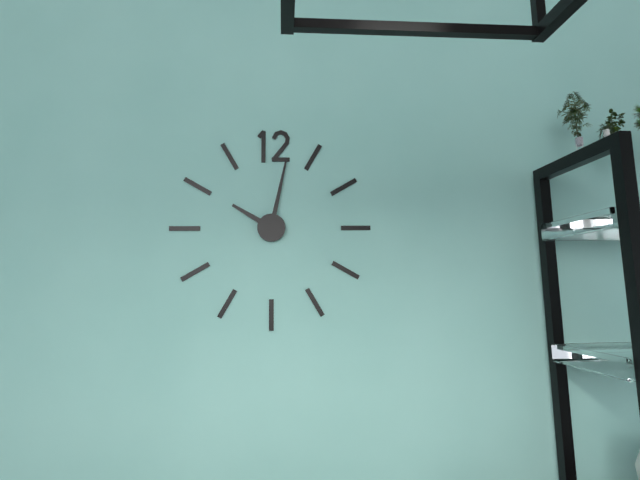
10:02
